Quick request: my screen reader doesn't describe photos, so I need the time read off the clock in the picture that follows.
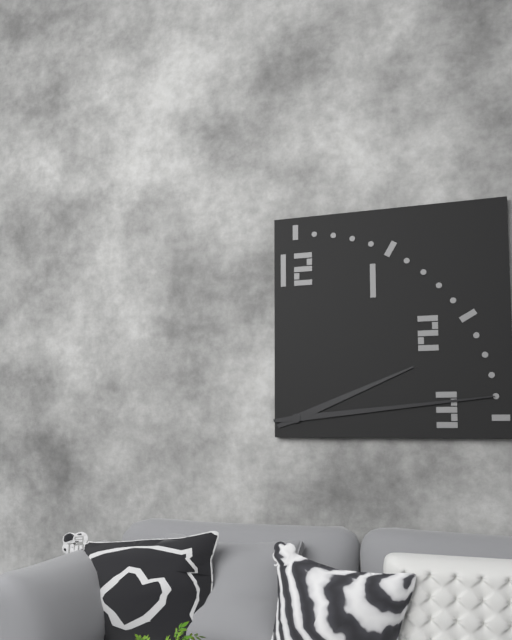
2:14
